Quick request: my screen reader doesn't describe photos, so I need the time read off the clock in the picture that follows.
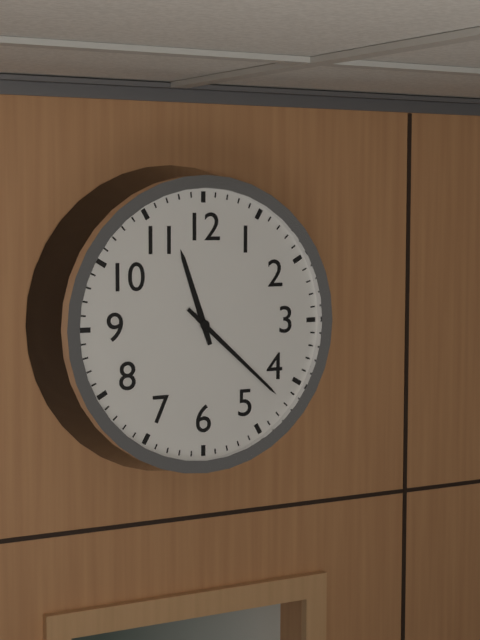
11:22
